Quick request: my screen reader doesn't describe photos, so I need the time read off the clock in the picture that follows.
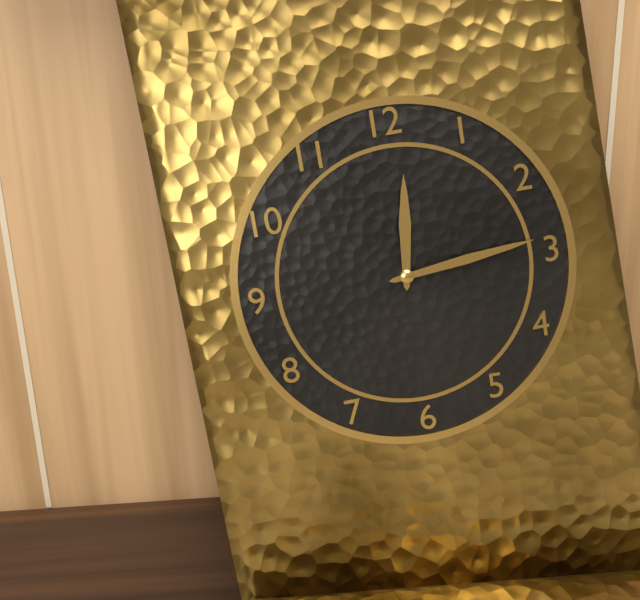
12:14
